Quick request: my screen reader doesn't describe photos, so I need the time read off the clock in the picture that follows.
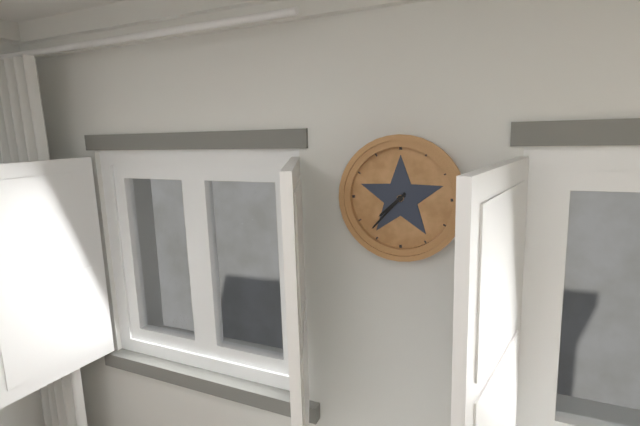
7:37
